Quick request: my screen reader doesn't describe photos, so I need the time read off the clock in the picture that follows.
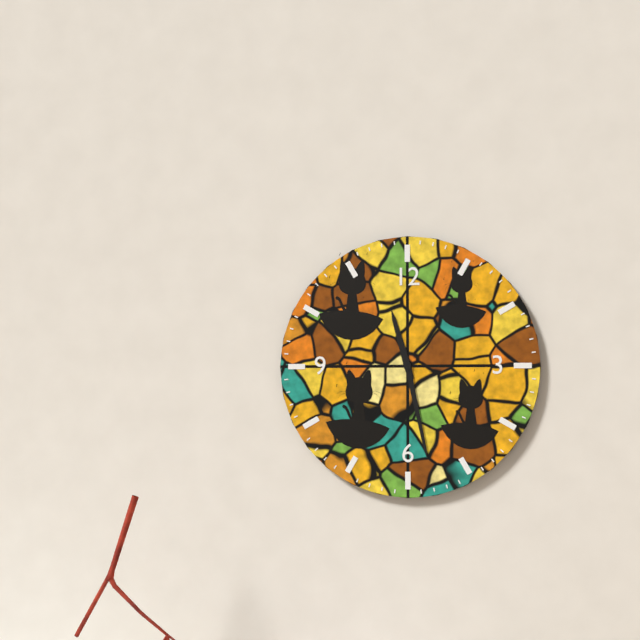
11:28
